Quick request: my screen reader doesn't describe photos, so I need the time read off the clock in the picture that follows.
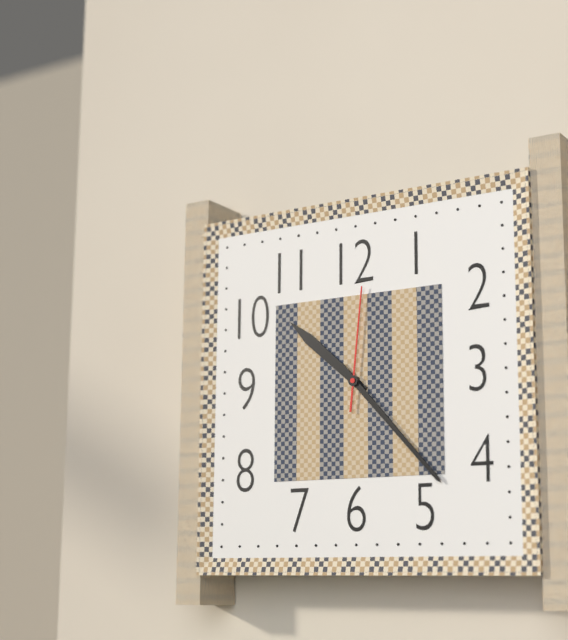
10:23:01
